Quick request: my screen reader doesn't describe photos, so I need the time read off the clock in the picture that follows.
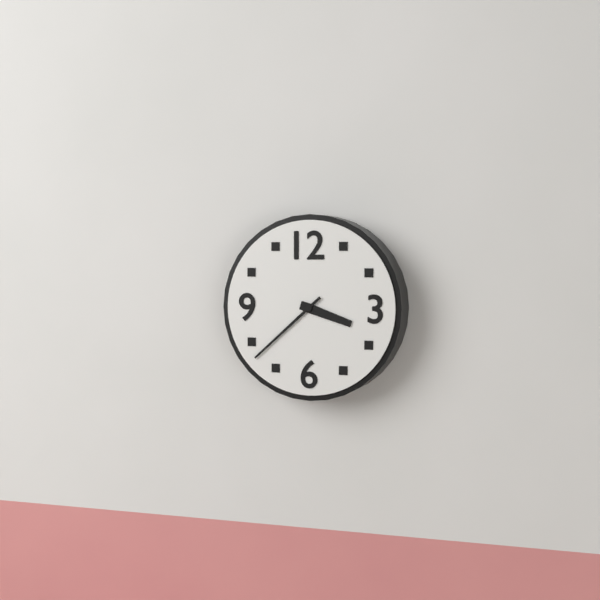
3:38
